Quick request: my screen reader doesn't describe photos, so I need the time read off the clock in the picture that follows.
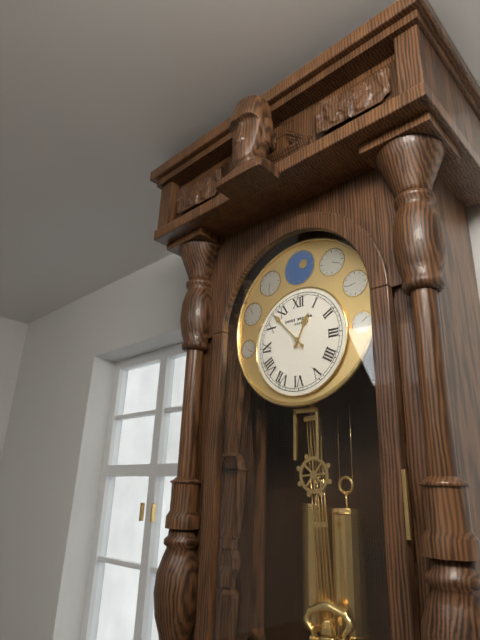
12:53
